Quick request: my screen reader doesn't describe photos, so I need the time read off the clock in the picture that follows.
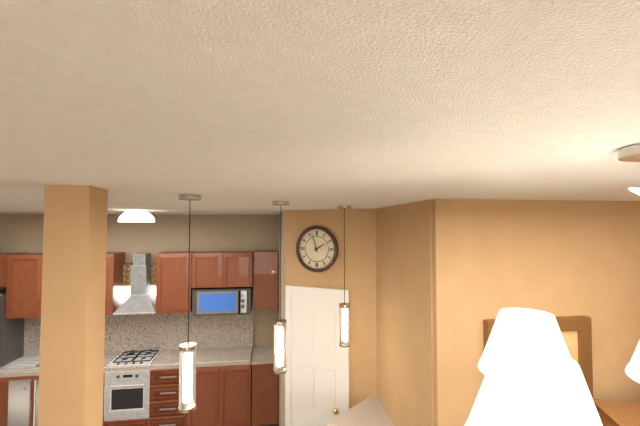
1:57
